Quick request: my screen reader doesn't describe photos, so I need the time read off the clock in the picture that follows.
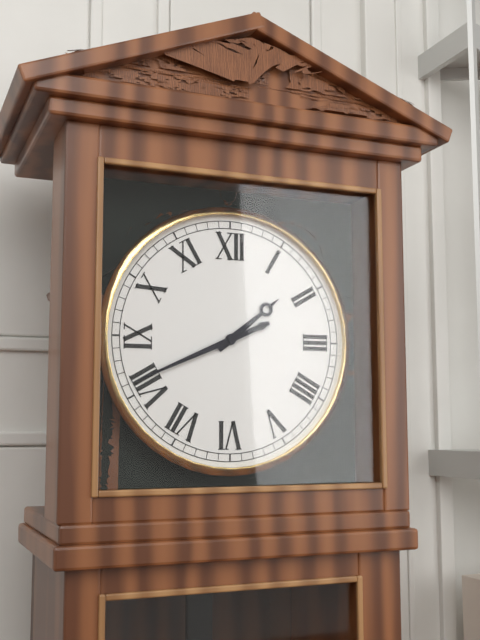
1:41
